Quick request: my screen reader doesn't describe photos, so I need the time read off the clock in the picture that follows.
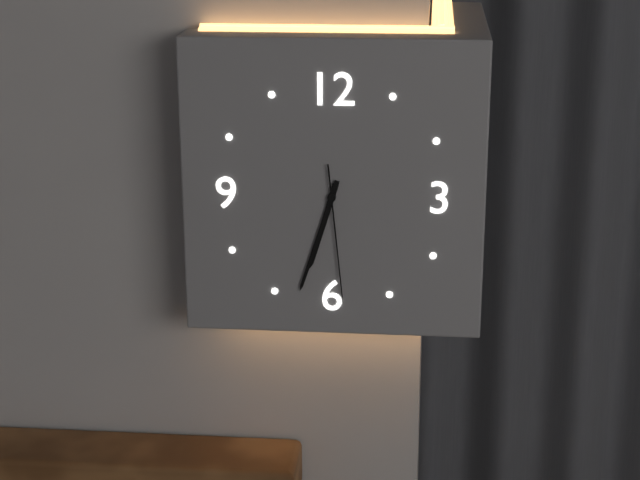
6:33:29
